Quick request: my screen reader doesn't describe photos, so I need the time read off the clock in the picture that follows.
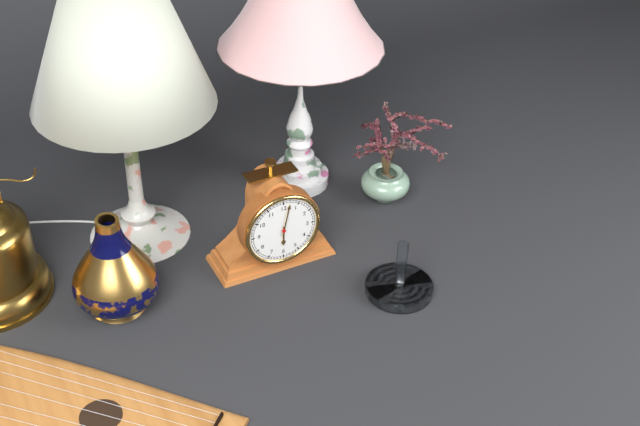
6:02
